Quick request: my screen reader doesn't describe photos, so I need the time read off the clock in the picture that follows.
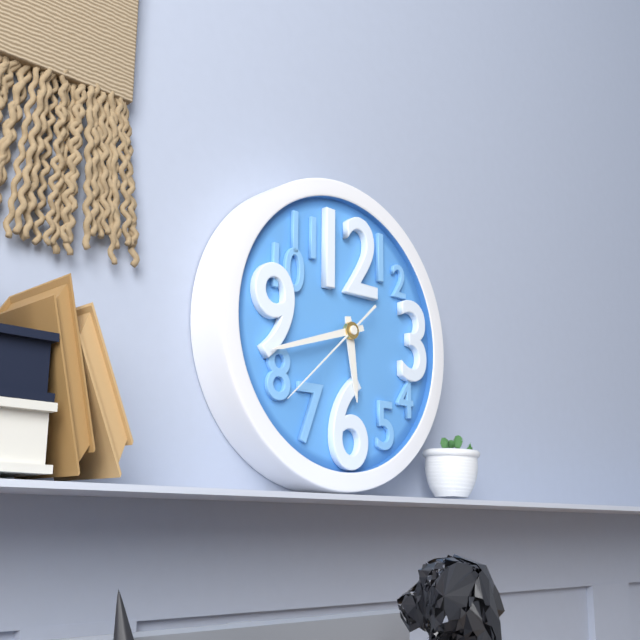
5:42:38
